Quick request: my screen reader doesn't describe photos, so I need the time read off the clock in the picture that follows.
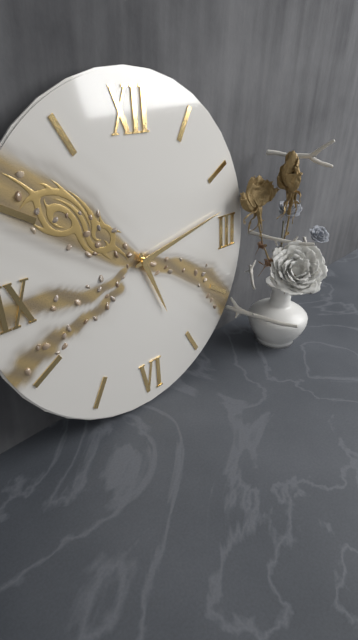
5:13
